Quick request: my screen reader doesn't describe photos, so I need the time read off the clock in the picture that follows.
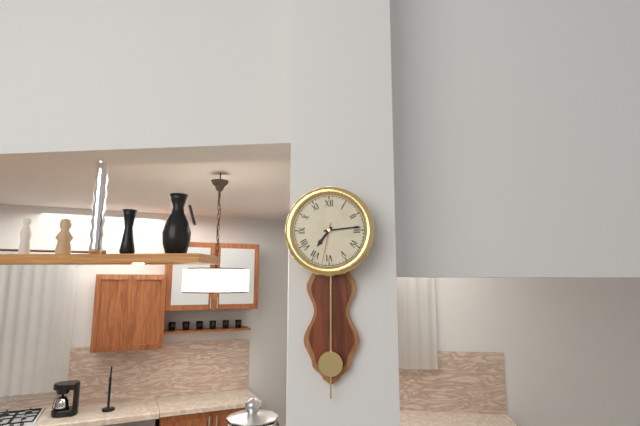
7:14
